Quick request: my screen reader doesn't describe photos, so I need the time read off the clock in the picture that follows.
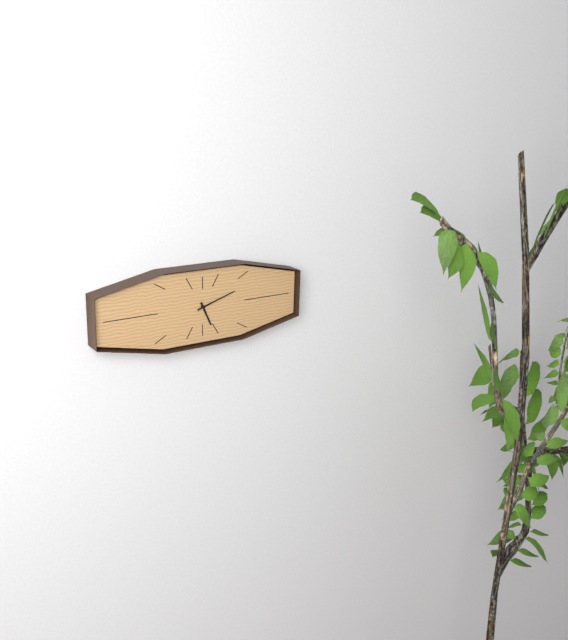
5:12
